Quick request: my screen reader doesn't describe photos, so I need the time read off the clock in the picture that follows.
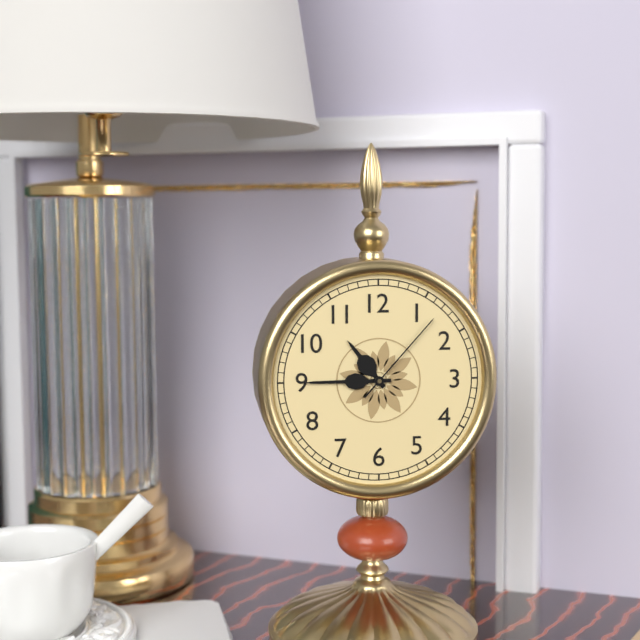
10:45:07
